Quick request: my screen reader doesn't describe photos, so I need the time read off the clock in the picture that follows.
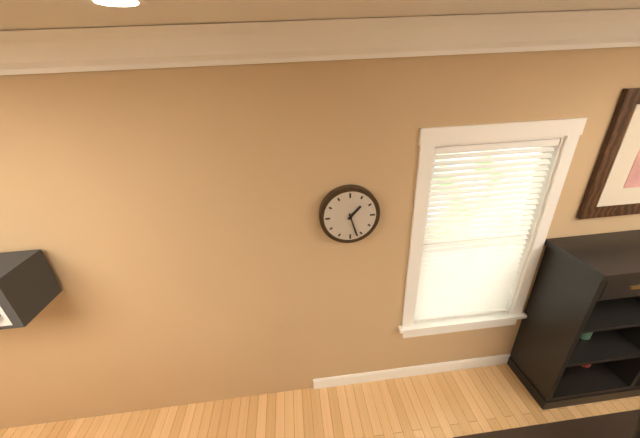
1:27
